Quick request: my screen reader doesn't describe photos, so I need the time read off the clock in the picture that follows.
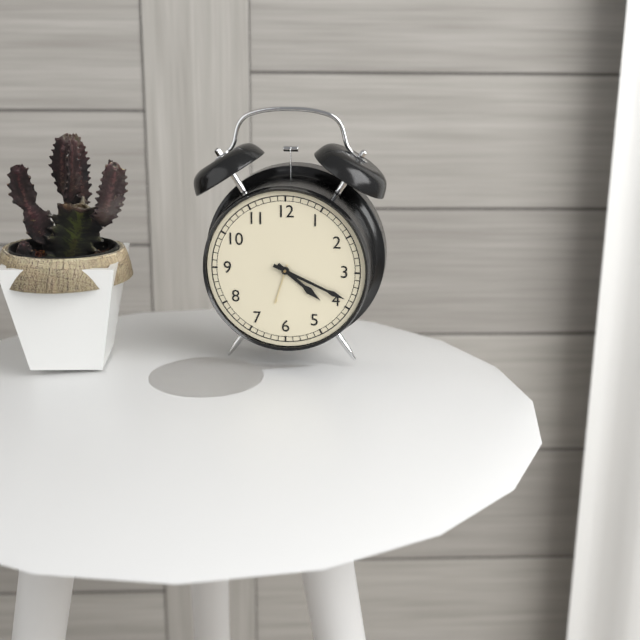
4:19
